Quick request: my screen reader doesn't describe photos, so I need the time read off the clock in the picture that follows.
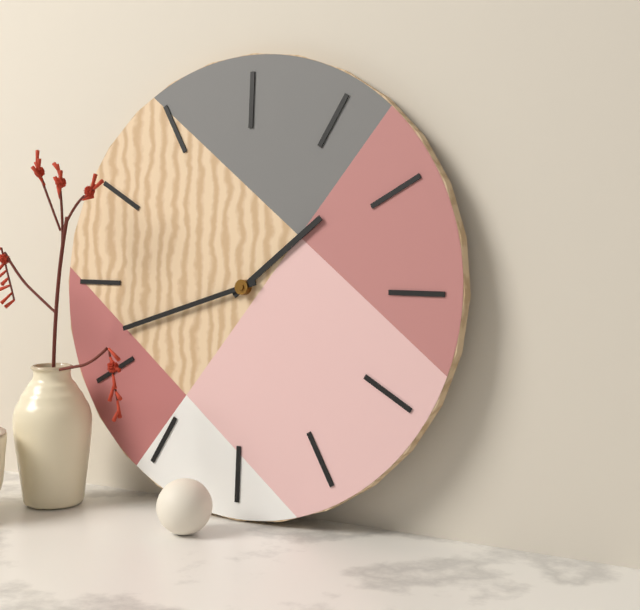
1:42
